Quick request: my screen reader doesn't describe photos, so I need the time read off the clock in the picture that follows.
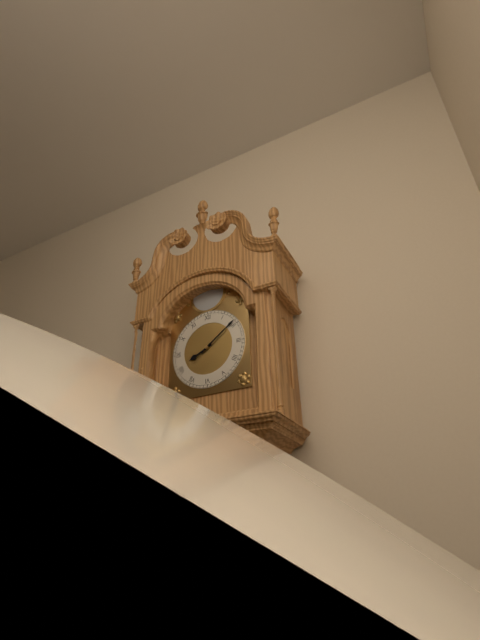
8:09
